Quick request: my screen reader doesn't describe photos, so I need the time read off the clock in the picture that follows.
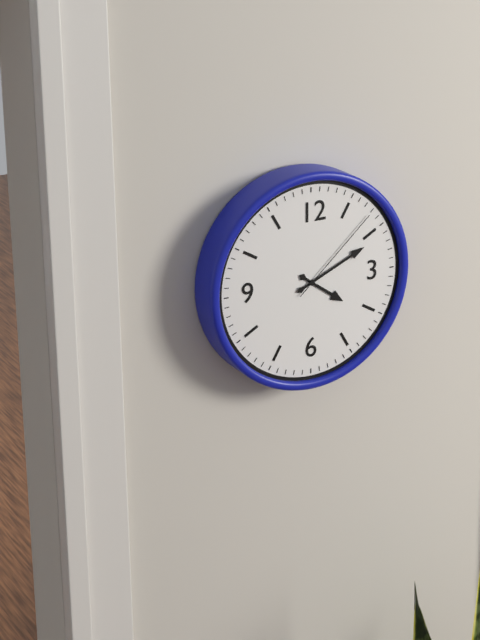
4:11:08
